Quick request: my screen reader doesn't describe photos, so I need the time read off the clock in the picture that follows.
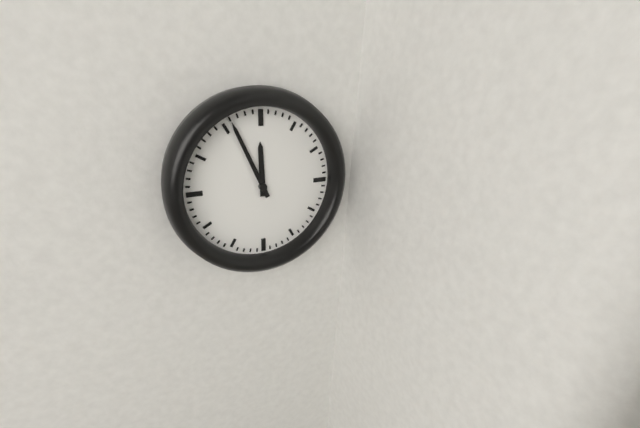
11:56
